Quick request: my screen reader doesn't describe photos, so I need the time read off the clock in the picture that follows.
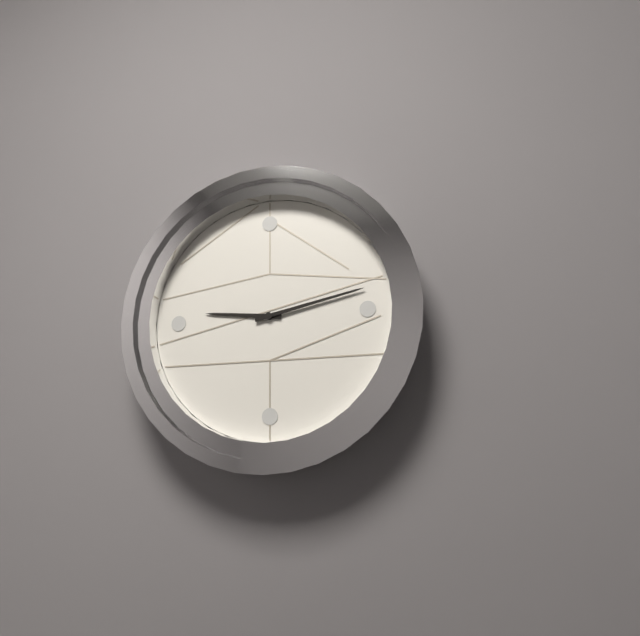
9:13
